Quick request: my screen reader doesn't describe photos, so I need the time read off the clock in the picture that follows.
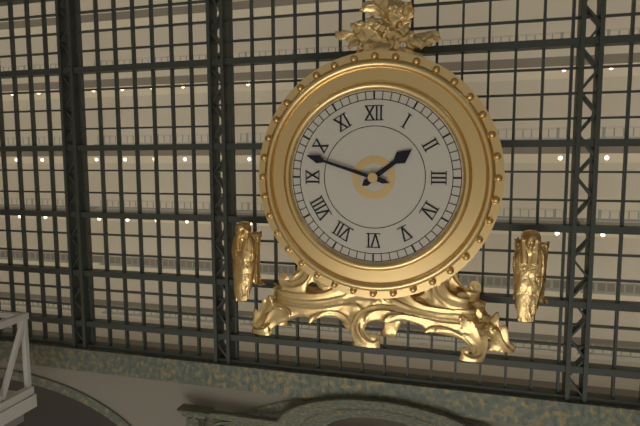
1:48
